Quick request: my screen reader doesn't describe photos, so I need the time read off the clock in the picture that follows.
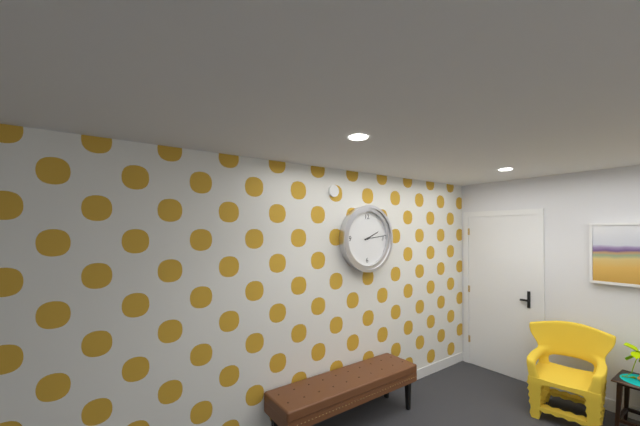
2:14
